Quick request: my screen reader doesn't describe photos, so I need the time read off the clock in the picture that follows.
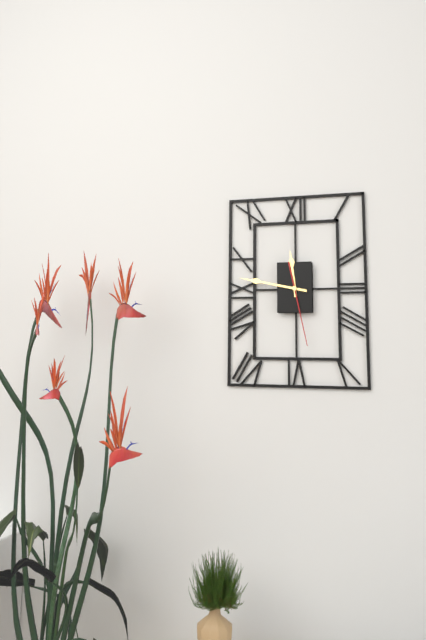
11:47:28
